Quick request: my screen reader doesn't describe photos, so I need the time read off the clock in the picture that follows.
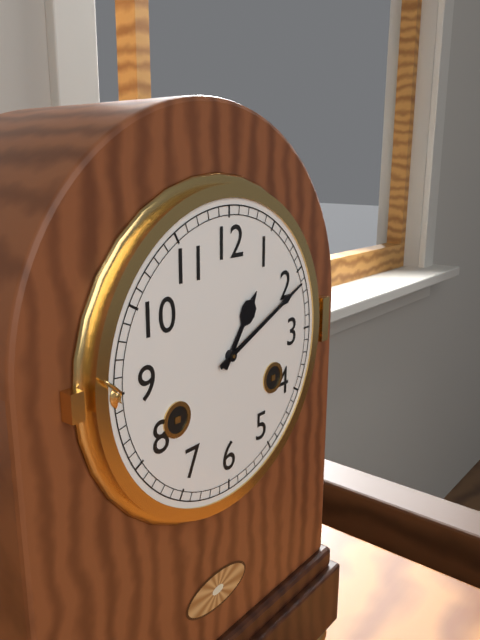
1:11
